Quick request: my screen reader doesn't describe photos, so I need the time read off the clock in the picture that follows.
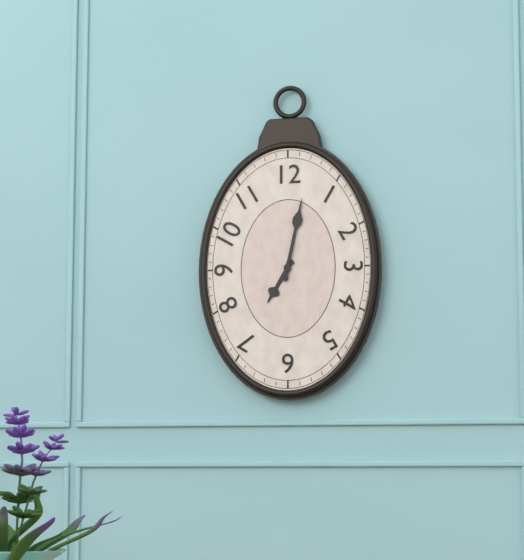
7:02
